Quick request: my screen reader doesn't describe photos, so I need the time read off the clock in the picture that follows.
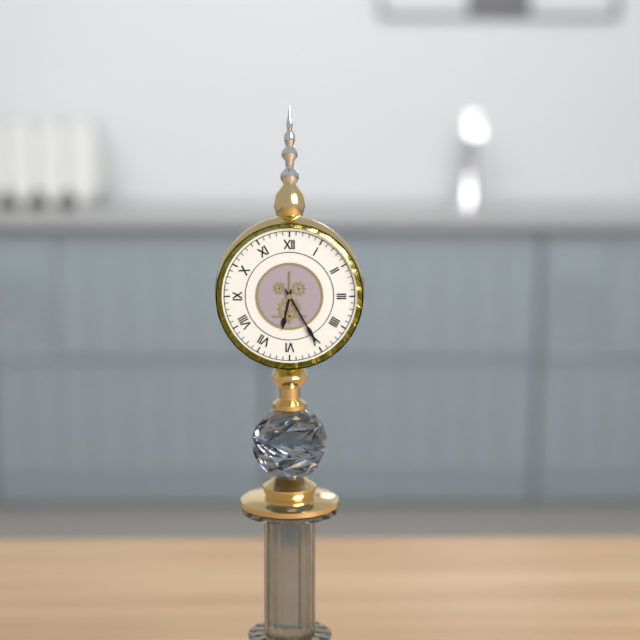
6:25
